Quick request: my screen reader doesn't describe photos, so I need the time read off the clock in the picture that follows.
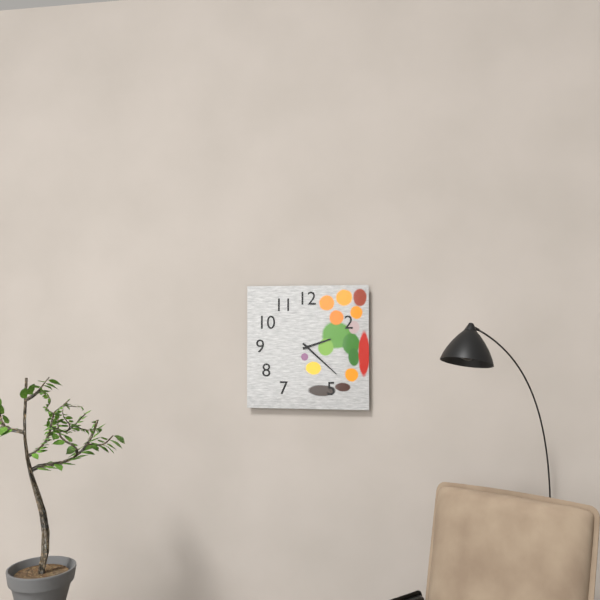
2:22
